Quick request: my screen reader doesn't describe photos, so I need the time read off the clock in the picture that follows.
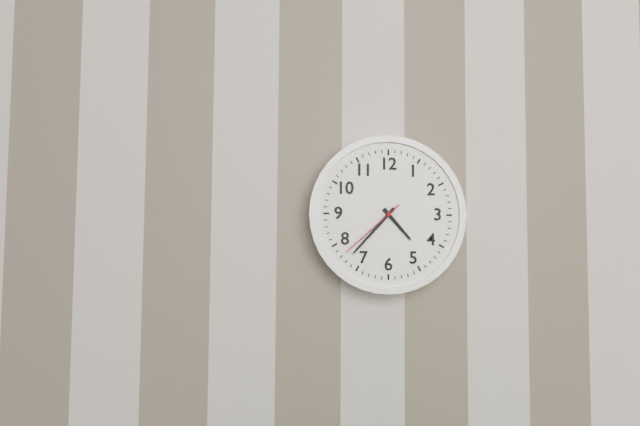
4:37:38
